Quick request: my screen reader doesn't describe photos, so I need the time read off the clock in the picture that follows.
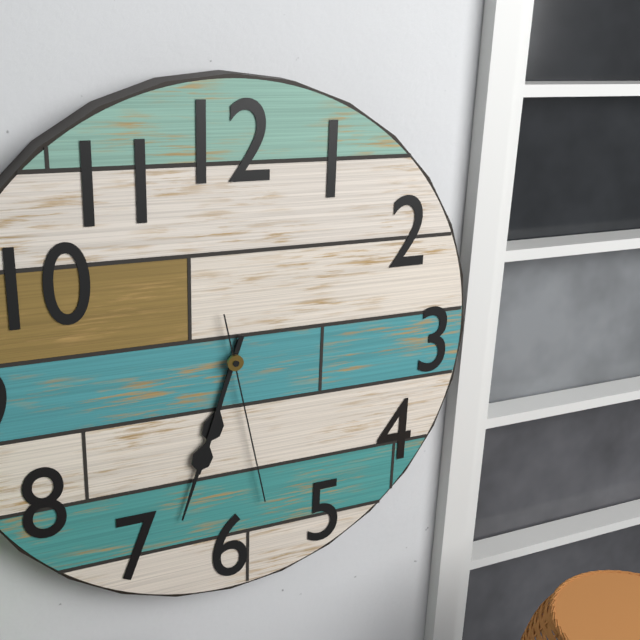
6:33:28
